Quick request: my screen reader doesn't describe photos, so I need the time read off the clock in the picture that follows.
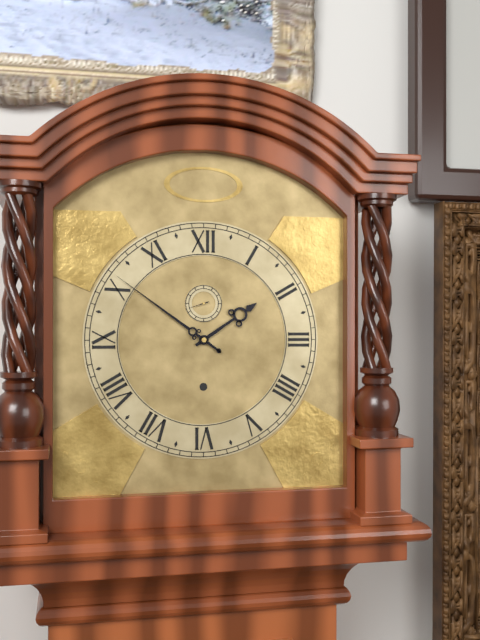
1:51
